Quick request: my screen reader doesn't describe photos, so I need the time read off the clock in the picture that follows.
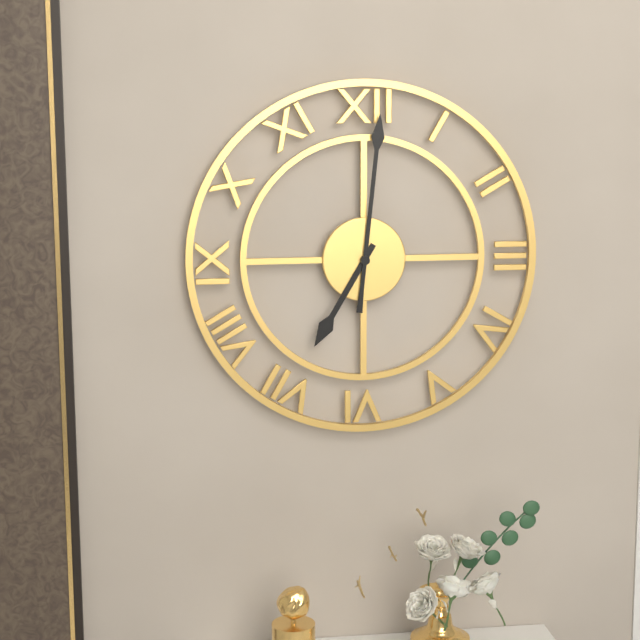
7:01
